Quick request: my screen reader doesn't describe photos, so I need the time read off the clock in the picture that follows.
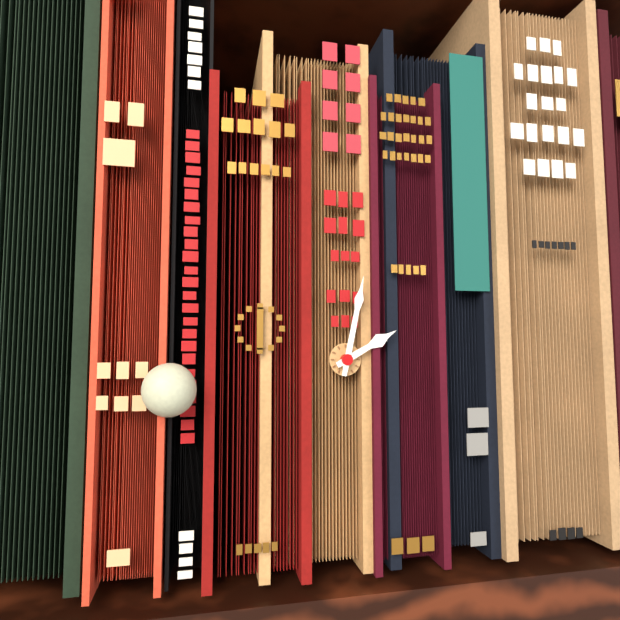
2:02
